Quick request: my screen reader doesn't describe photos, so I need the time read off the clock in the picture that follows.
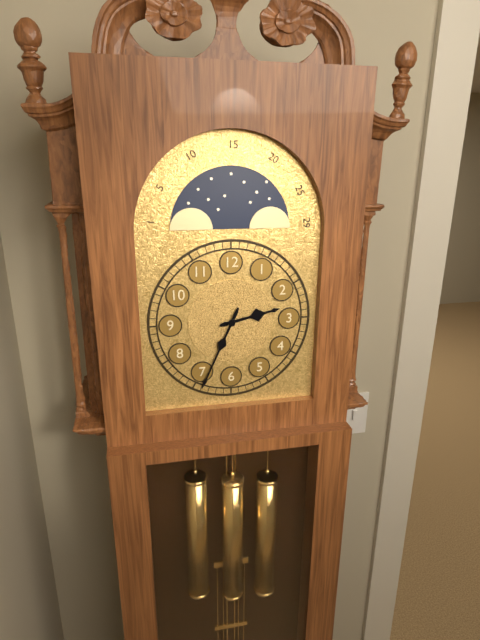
2:34
